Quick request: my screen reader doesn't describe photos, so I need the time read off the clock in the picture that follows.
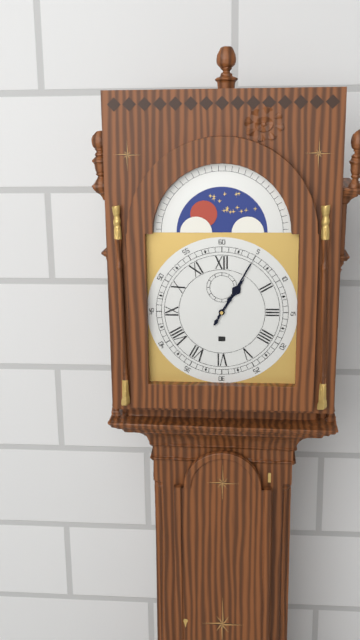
1:05
